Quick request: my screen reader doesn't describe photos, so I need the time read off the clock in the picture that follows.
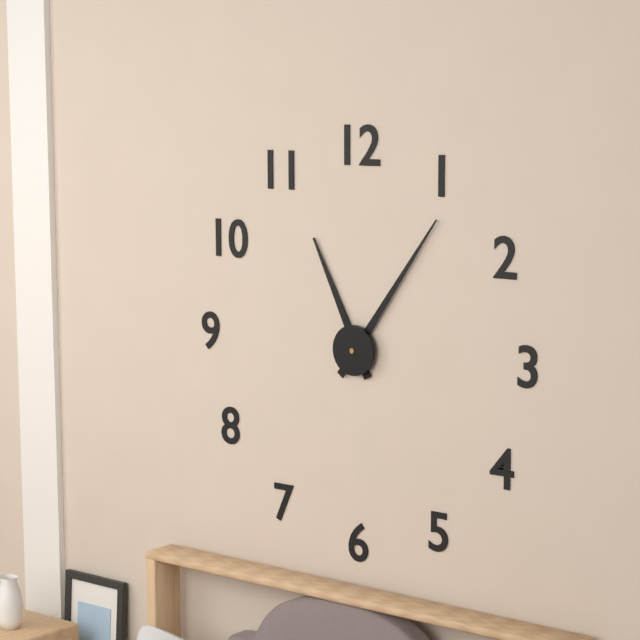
11:06
